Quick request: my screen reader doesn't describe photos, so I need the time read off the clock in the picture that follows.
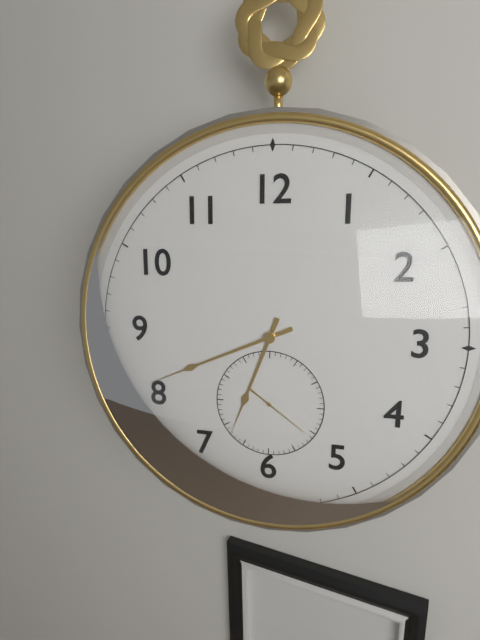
6:41:21
